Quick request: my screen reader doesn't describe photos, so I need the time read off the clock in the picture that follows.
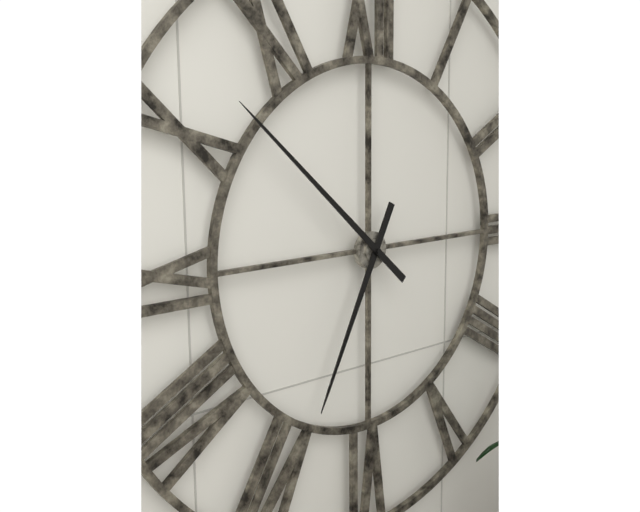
6:52
